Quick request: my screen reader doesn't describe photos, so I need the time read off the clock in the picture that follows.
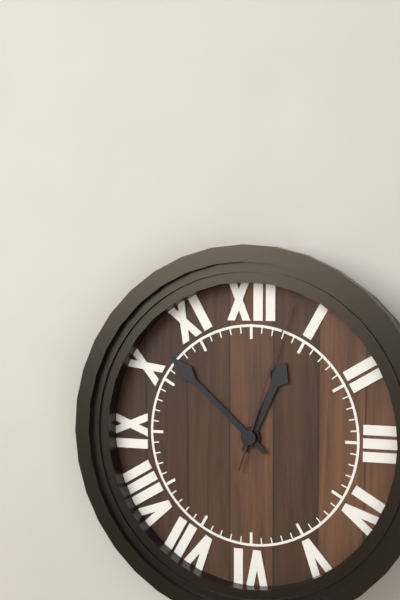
12:52:03
